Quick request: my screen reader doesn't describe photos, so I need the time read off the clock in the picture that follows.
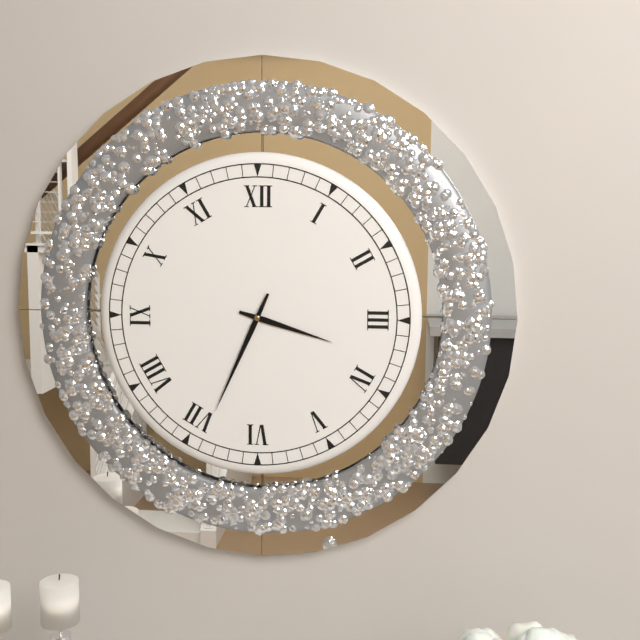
3:34
